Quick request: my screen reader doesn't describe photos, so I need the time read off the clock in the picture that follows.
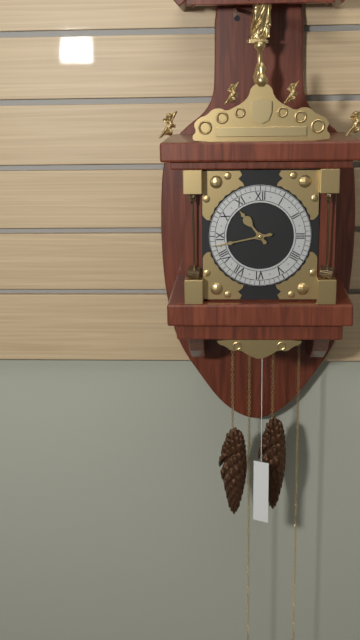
10:43
